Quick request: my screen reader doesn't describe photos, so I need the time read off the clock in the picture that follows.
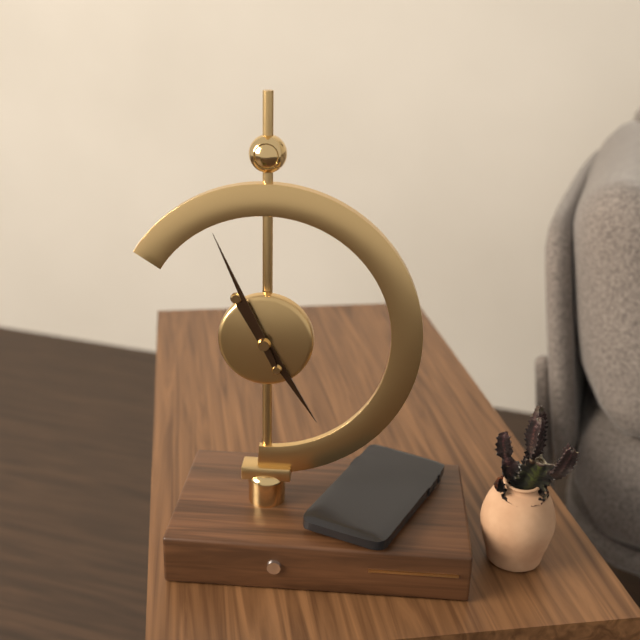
4:56
